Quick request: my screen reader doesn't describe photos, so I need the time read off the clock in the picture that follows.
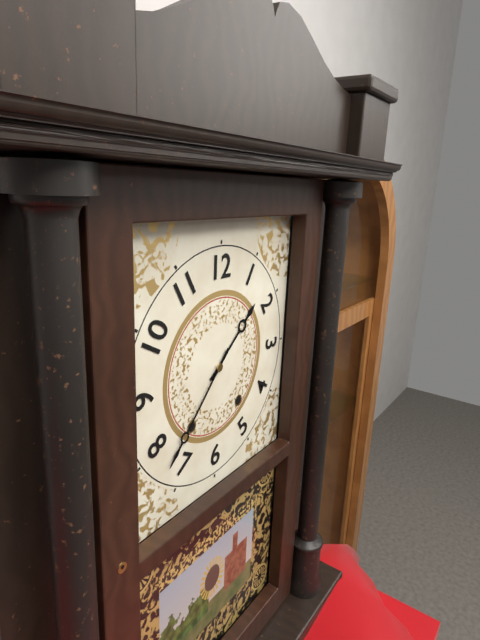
1:37
